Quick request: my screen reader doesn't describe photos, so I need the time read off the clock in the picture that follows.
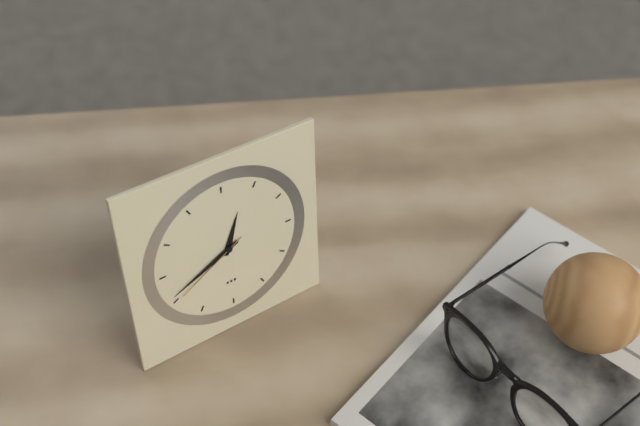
12:41:40
